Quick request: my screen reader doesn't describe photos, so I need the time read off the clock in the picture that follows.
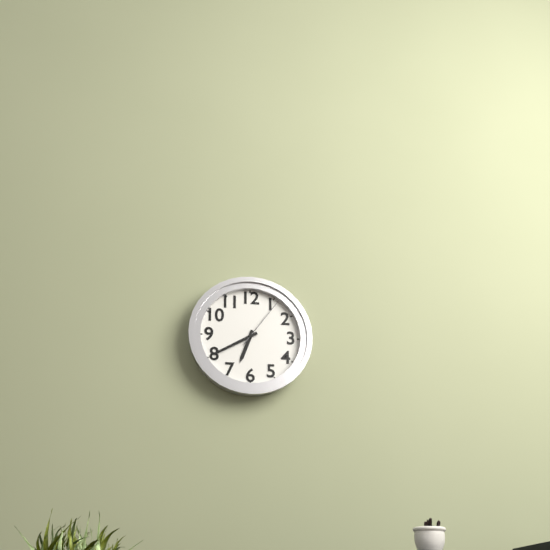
6:40:06
